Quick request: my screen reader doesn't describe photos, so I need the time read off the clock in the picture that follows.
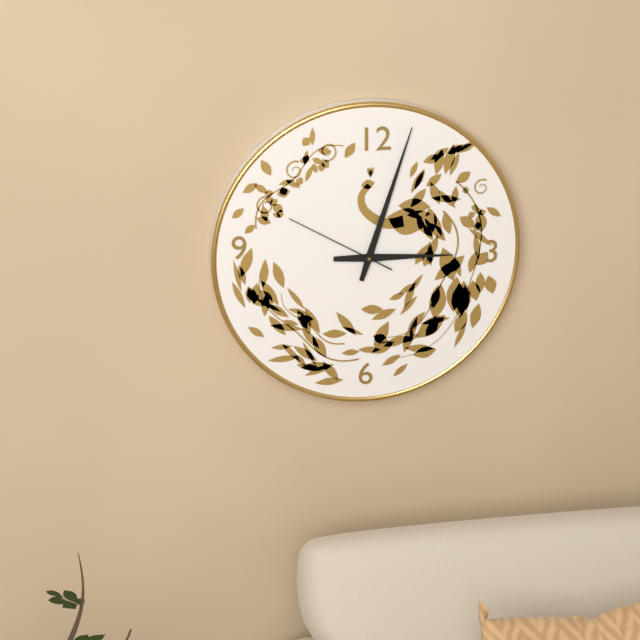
3:03:50
